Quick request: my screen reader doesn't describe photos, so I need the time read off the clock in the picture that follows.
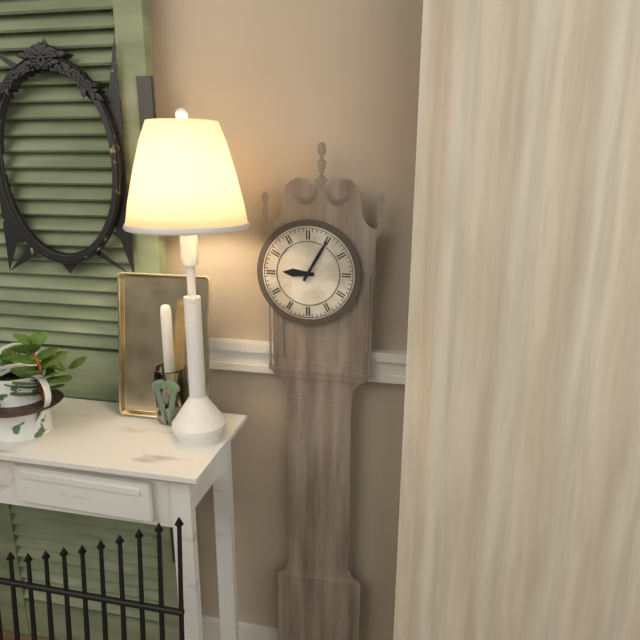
9:05
